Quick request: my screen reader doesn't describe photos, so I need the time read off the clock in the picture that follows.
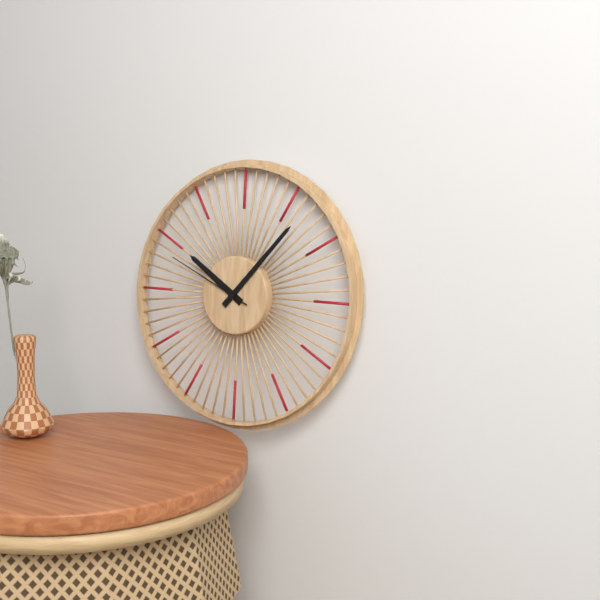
10:07:49
